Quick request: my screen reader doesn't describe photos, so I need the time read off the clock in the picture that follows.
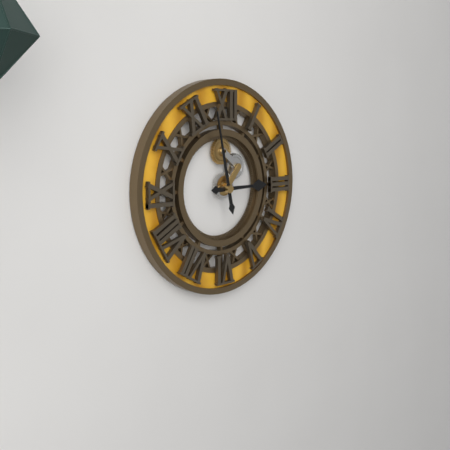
2:58
